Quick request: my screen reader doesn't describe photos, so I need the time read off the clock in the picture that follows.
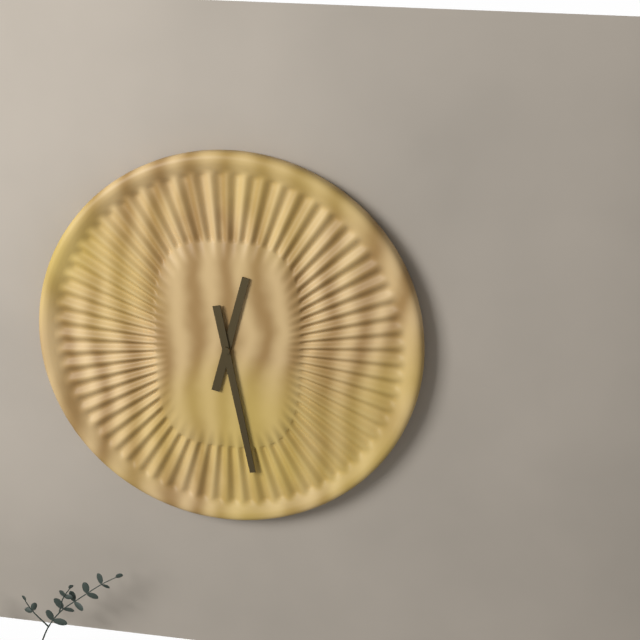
12:28
